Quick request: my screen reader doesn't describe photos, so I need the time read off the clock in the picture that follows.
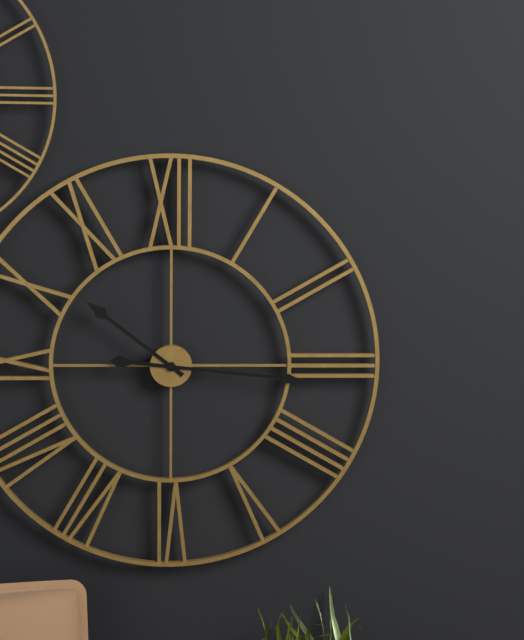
10:16
